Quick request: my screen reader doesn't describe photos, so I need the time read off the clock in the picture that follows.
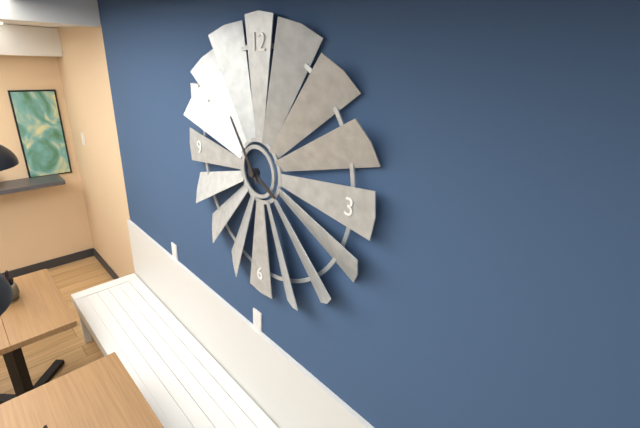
3:54
